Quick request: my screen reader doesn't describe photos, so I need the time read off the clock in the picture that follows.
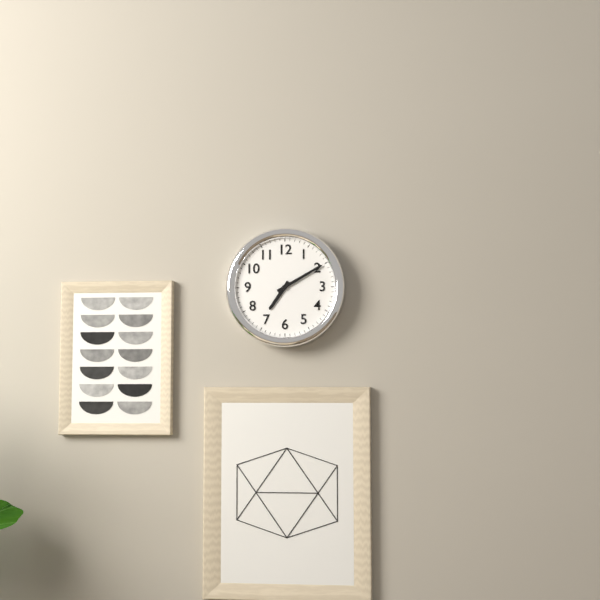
7:10
